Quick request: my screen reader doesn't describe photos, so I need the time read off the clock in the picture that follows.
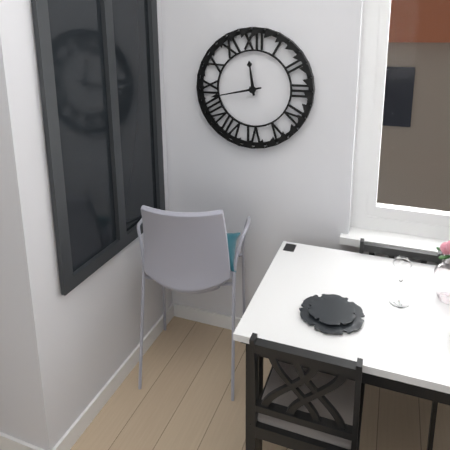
11:43
